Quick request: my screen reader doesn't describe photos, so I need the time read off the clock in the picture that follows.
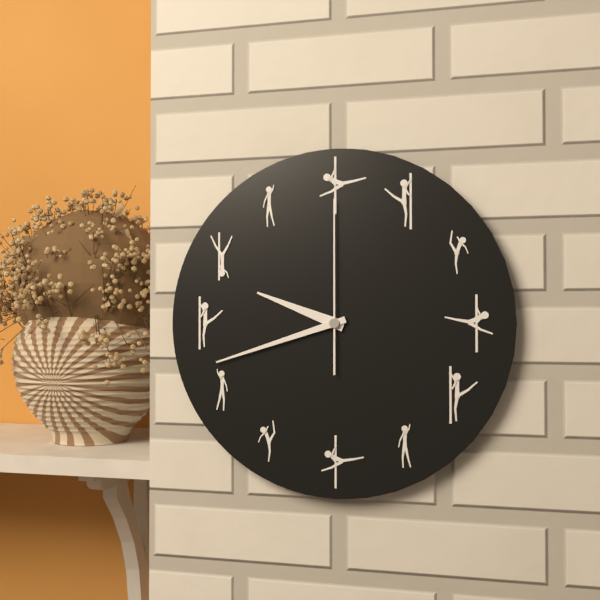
9:42:00
